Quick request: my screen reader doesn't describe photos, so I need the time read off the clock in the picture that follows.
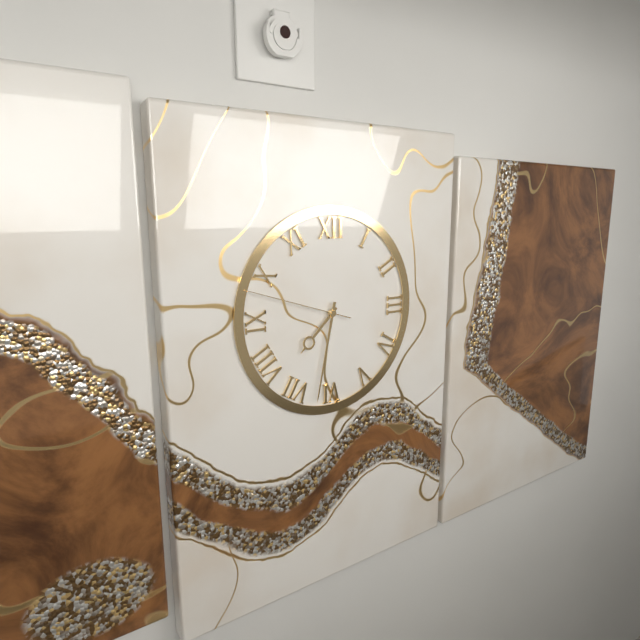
7:32:48
